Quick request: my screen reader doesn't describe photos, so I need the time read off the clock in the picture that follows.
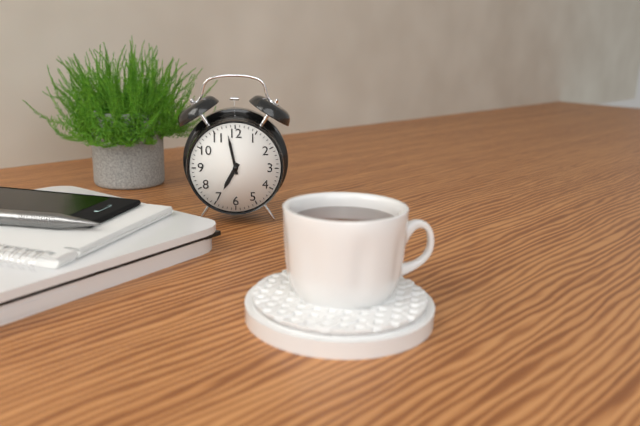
6:58
